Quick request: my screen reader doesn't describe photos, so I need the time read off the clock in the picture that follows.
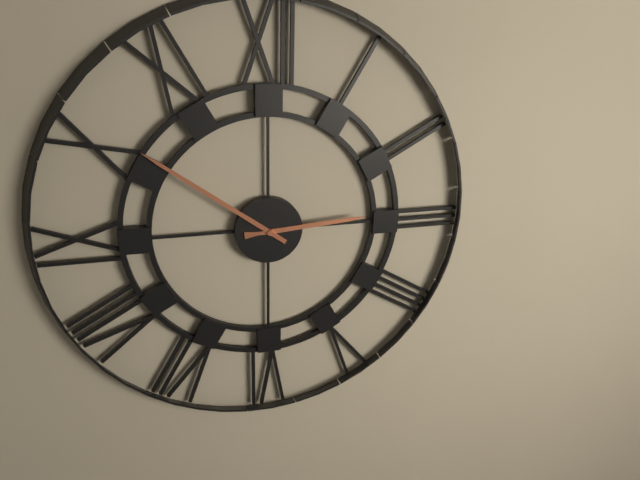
2:51
